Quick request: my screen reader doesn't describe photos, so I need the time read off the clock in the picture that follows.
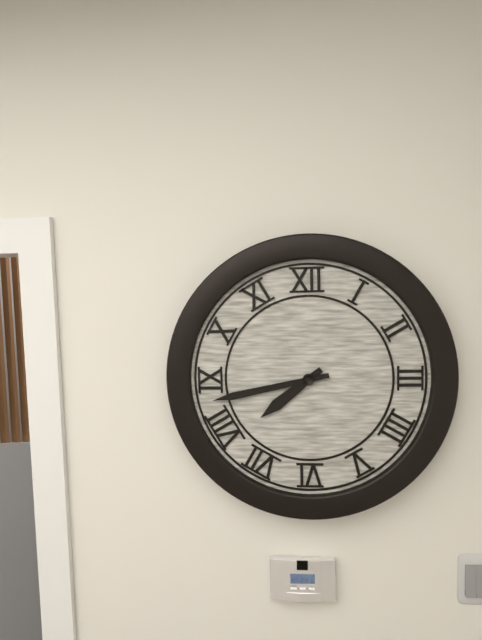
7:43
